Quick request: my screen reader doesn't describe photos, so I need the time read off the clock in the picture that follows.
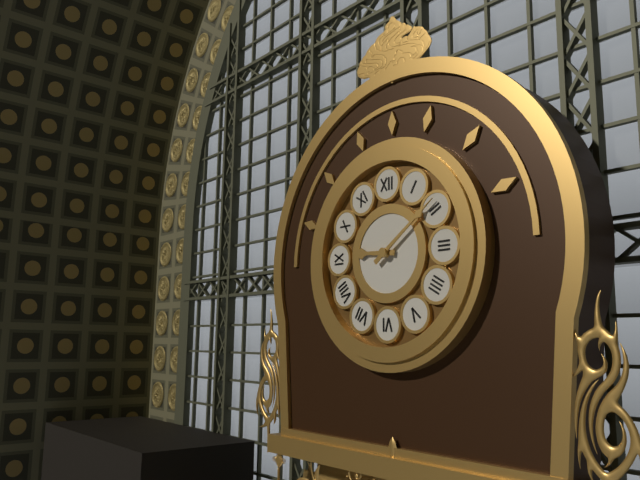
9:09
